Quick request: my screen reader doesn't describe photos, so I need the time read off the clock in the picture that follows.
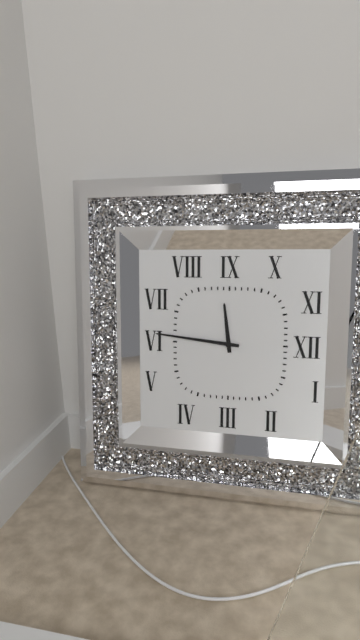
11:46
